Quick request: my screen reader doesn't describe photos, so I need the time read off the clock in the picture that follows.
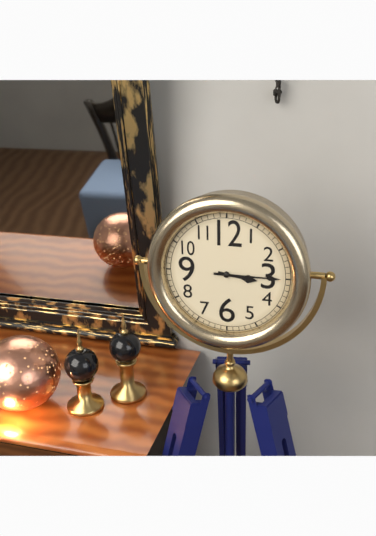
3:15
